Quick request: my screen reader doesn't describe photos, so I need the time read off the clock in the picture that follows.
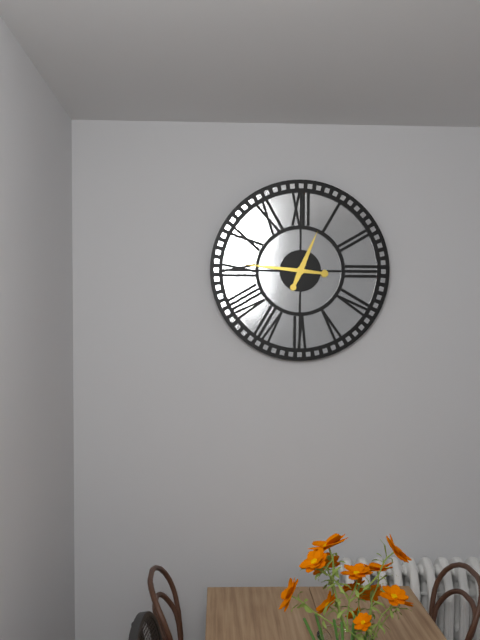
12:46
